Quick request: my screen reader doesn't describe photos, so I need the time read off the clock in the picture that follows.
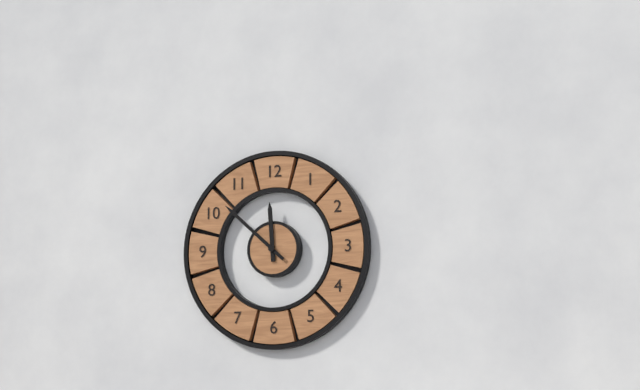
11:52
